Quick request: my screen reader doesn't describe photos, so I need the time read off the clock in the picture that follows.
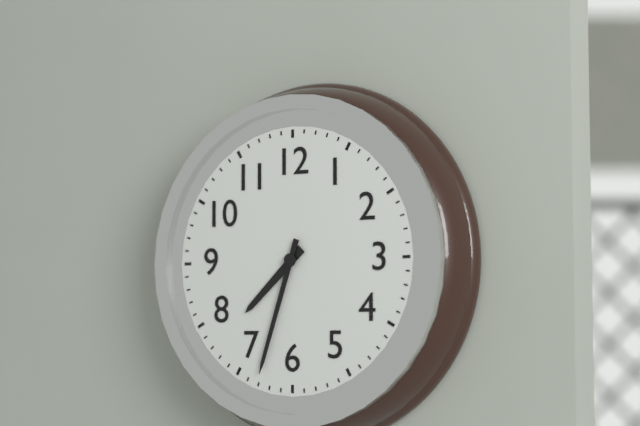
7:33
